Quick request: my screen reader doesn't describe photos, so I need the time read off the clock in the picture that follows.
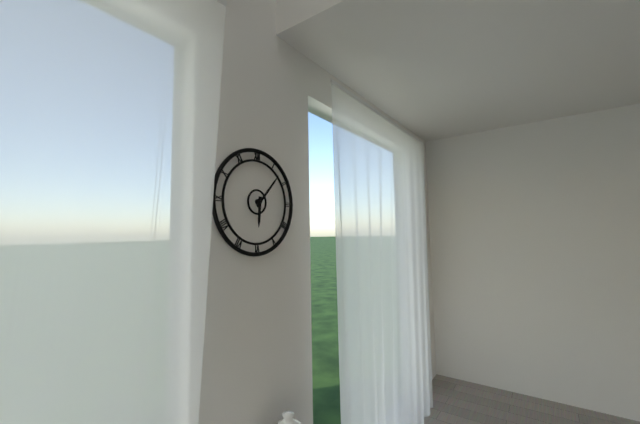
6:07
